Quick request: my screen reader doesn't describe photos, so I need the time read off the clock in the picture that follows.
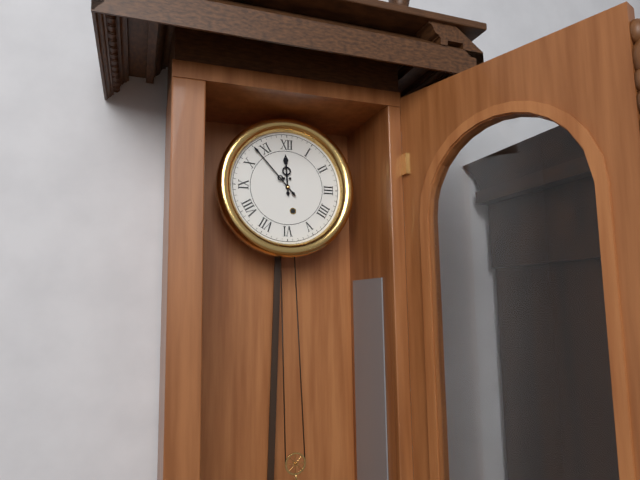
11:53
